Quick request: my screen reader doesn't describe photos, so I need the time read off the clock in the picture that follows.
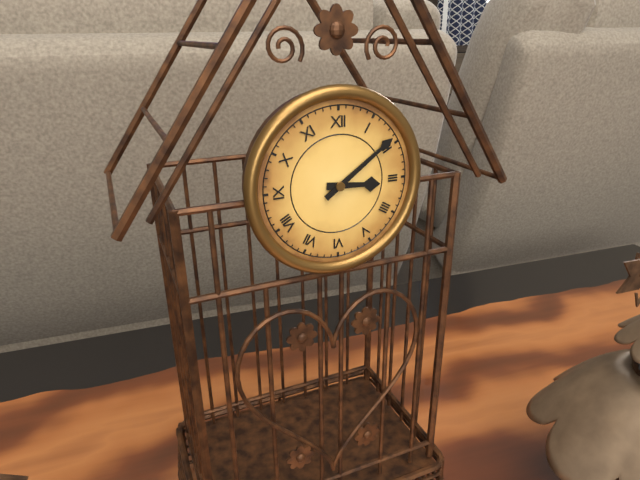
3:09
